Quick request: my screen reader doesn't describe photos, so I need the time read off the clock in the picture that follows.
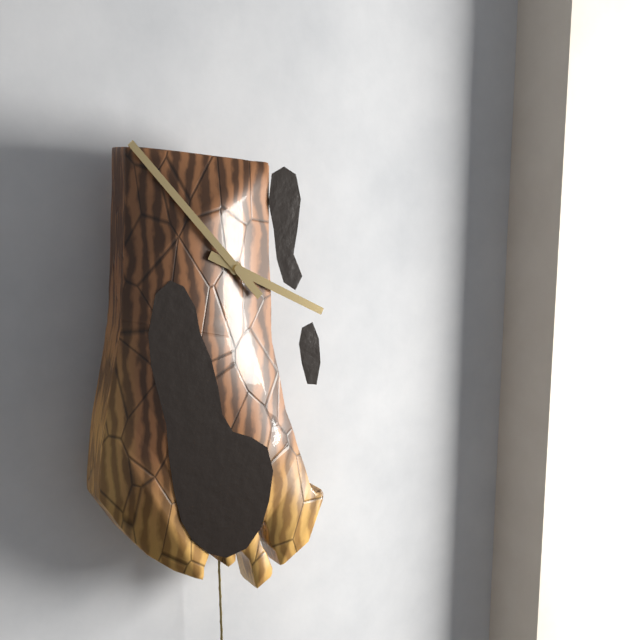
3:53
